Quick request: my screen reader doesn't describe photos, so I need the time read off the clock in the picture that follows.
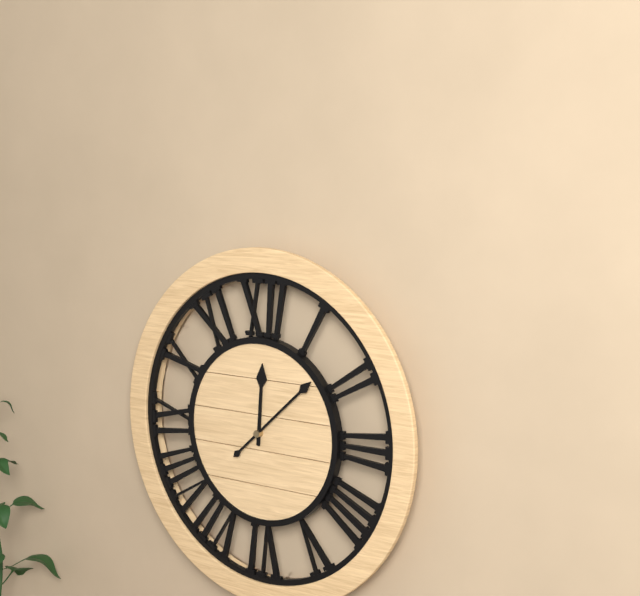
12:08
